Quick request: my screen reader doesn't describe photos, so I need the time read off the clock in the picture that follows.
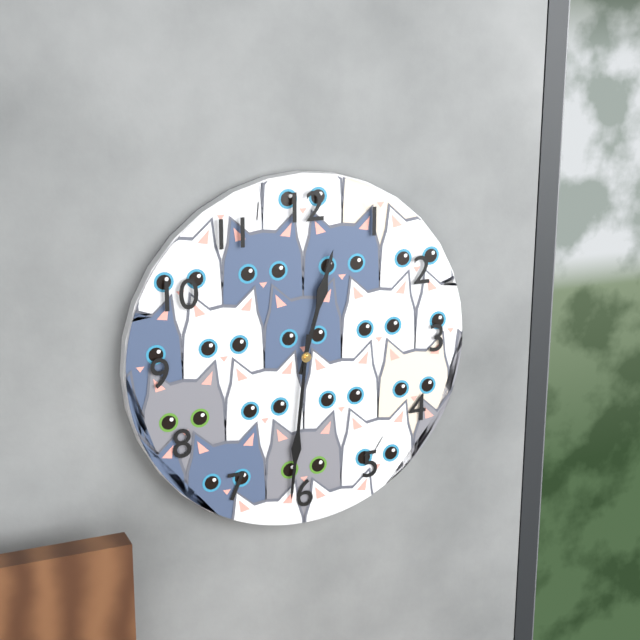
12:31
